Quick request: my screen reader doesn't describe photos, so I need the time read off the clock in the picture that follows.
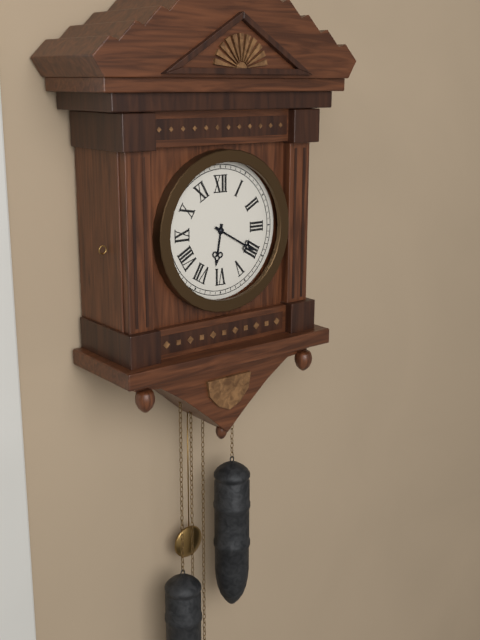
6:20
